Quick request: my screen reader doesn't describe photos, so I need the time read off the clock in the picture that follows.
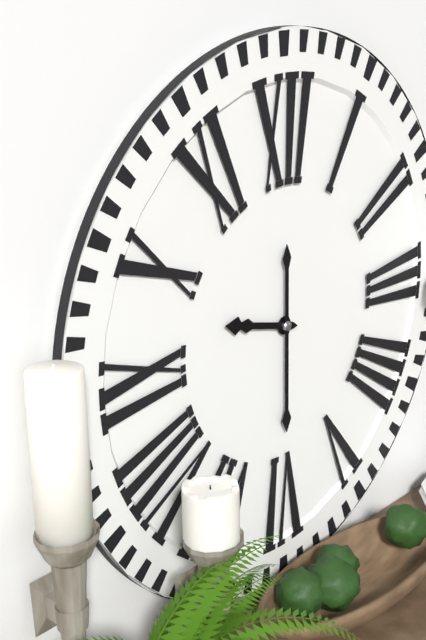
9:30
